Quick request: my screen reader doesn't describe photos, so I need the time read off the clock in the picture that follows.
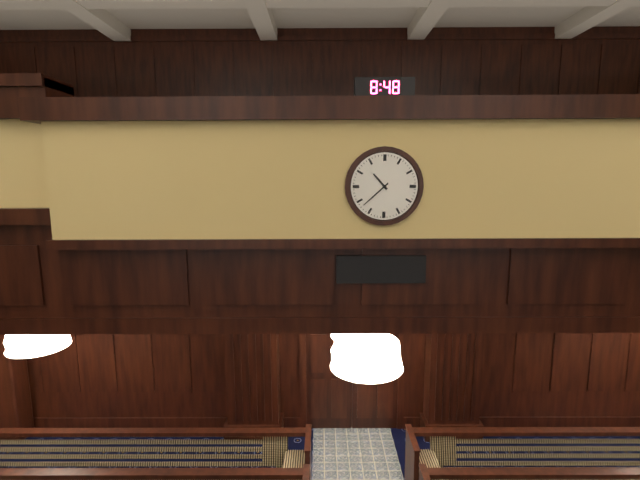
10:38
